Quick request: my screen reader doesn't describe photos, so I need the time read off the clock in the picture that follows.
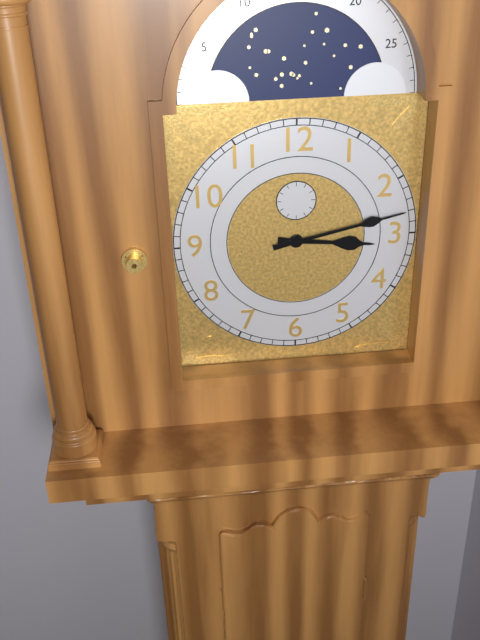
3:13
